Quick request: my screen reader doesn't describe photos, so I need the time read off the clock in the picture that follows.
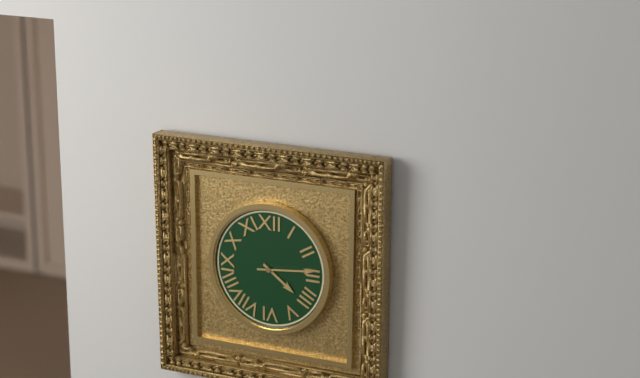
4:14
